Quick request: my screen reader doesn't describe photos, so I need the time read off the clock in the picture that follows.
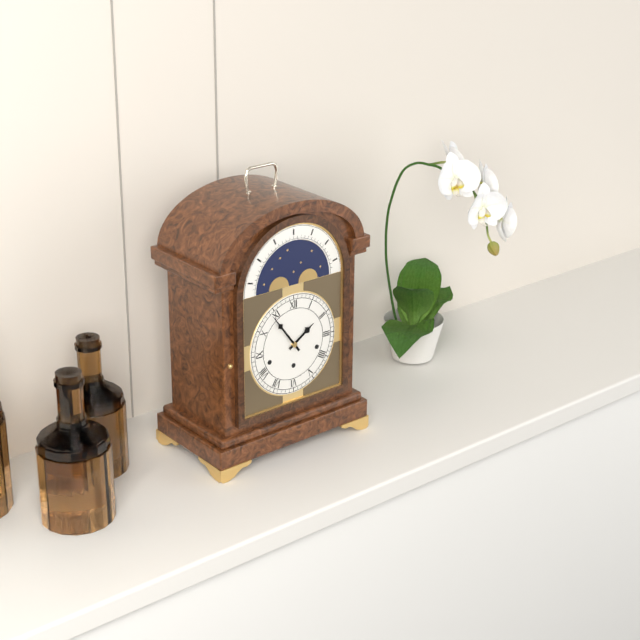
1:54
